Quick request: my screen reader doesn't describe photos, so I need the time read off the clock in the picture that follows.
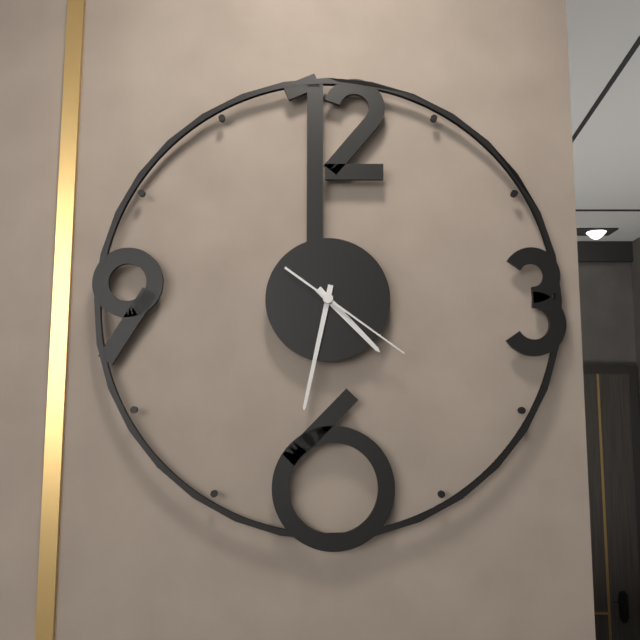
4:32:21
